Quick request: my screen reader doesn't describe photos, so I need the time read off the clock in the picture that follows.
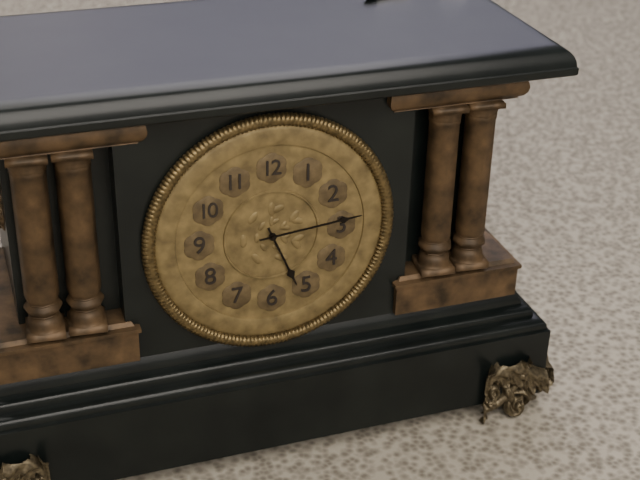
5:14
